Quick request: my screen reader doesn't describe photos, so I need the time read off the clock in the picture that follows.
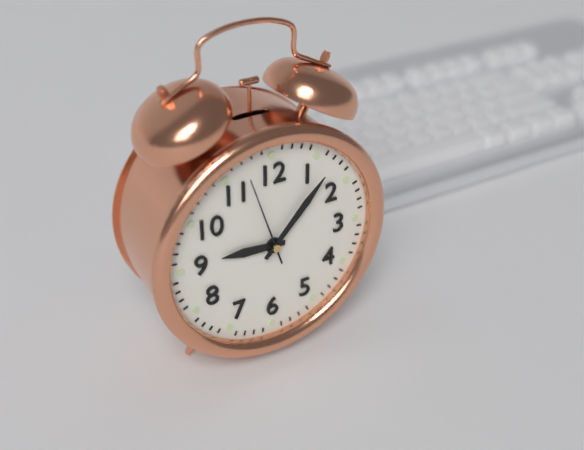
9:07:57
